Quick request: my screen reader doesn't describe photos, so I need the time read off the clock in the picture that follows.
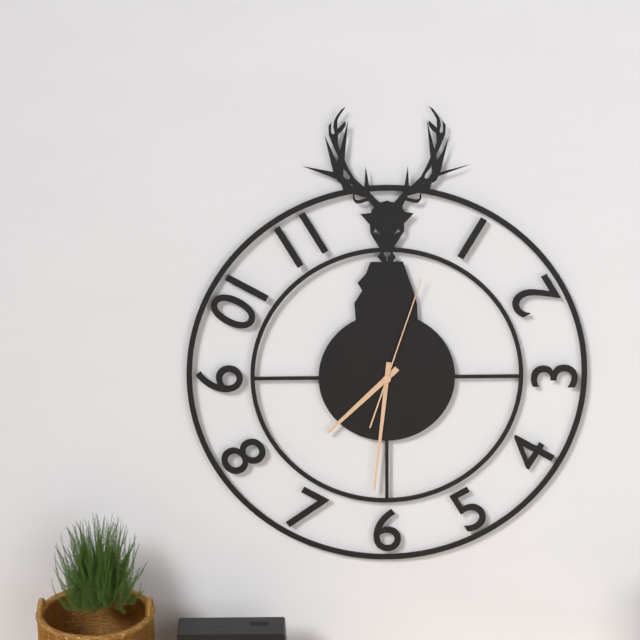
7:31:03
